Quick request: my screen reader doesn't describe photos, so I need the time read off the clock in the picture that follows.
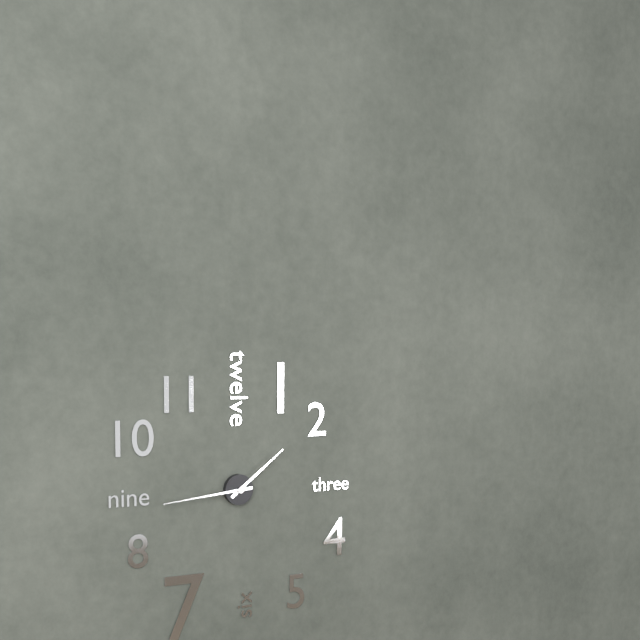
1:44
